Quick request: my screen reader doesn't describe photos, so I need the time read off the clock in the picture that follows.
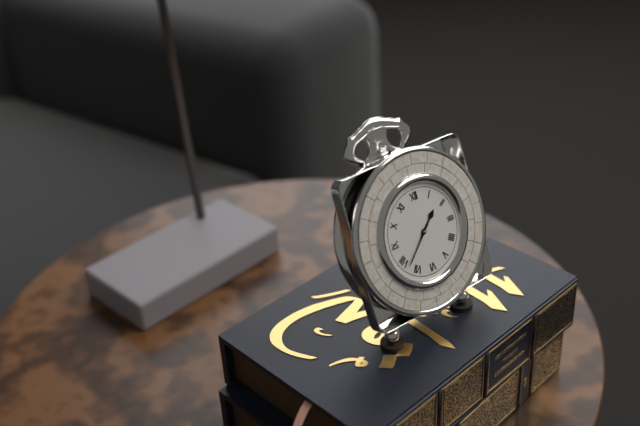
1:38
